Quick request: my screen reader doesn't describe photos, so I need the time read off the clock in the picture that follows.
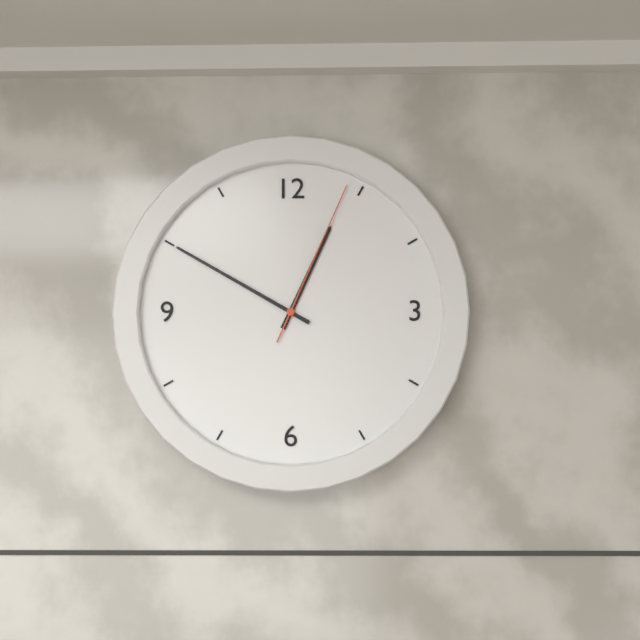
12:50:04
